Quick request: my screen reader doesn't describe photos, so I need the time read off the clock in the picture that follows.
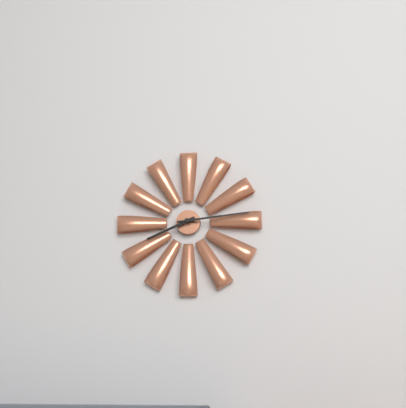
8:14
